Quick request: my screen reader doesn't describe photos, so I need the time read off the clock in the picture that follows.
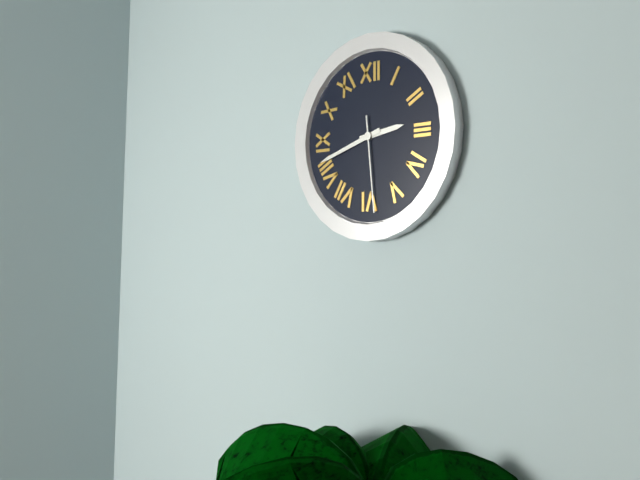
2:42:29
